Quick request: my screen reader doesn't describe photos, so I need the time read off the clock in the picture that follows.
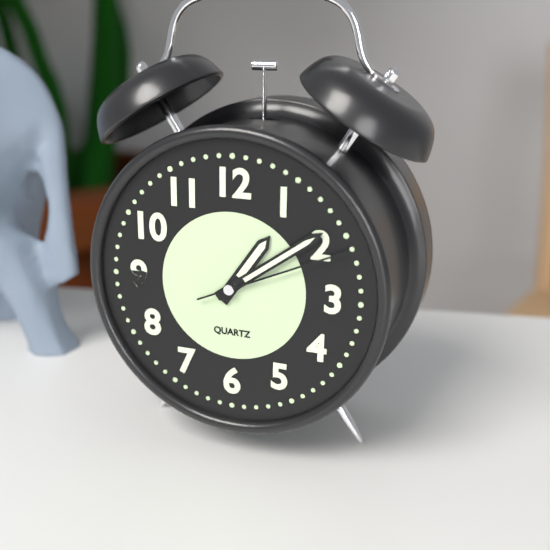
1:09:11
